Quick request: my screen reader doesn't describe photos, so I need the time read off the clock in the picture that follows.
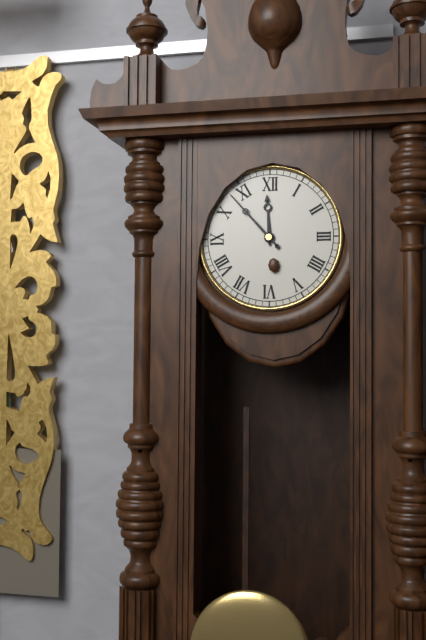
11:53
